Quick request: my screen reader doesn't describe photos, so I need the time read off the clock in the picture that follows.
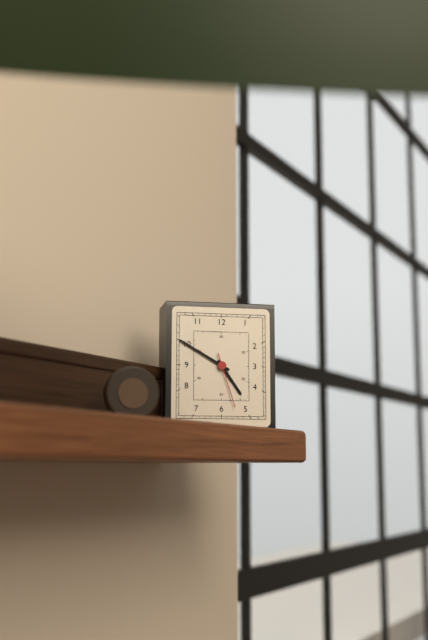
4:50:27
